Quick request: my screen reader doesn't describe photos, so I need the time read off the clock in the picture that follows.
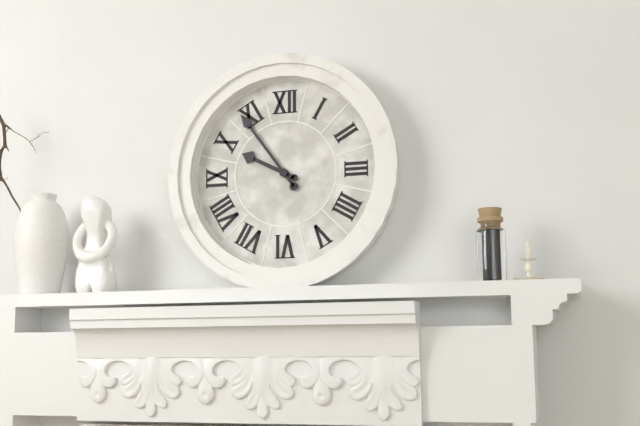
9:54
